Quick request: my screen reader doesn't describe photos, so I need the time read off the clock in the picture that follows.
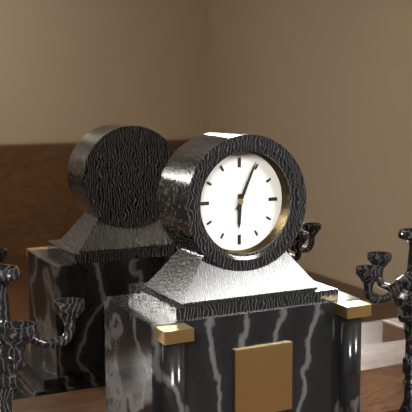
6:04
